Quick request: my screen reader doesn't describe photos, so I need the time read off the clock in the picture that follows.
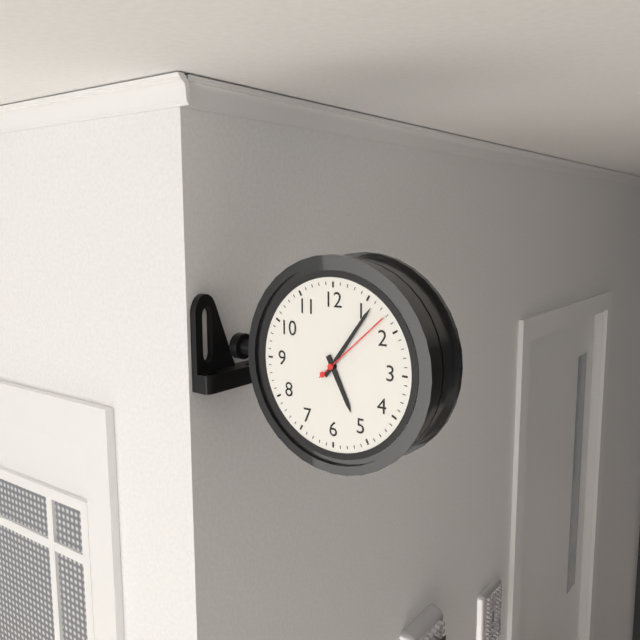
5:06:08
